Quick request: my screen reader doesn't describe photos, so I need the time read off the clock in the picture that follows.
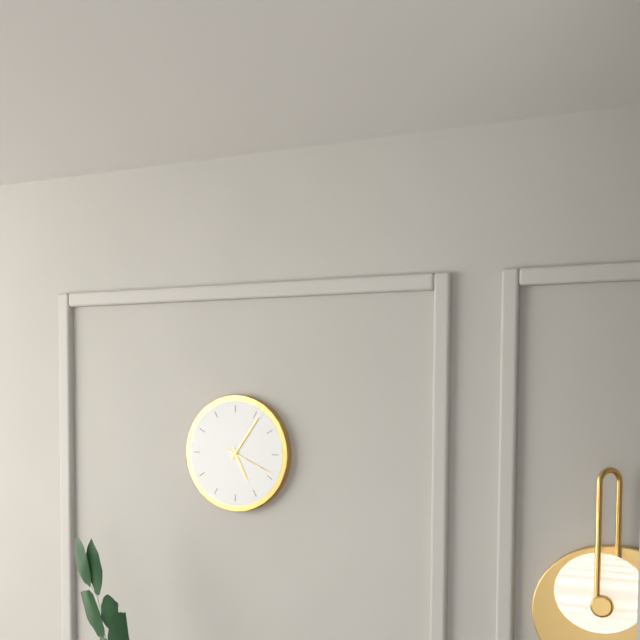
5:06
